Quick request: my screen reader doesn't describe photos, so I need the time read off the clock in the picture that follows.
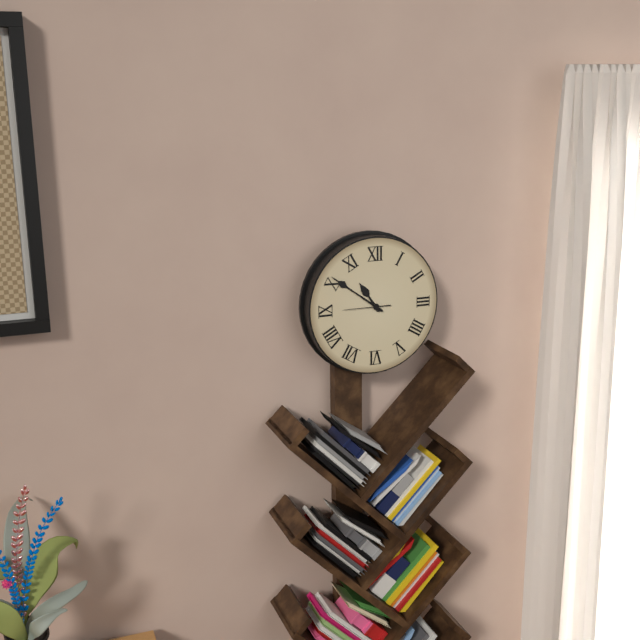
10:51
